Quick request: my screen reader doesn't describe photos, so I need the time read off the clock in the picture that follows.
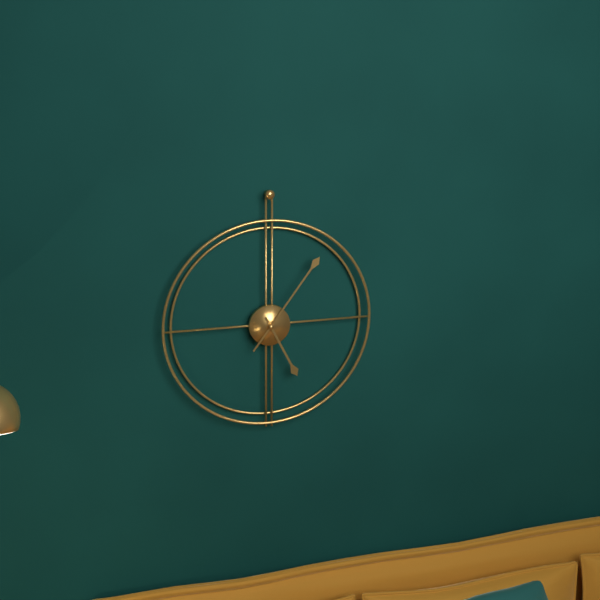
5:06
